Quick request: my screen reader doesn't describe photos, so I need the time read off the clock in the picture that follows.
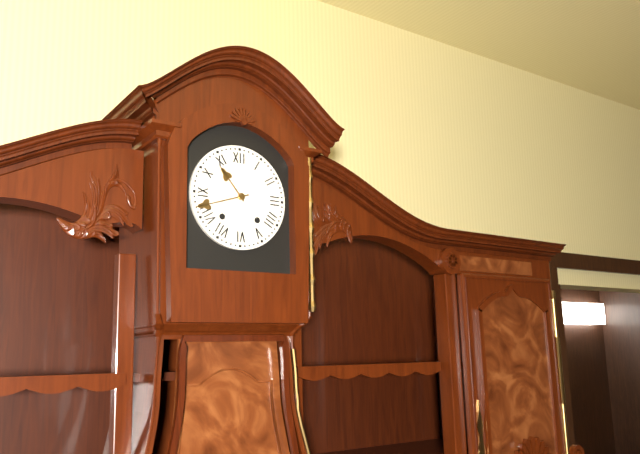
10:42
